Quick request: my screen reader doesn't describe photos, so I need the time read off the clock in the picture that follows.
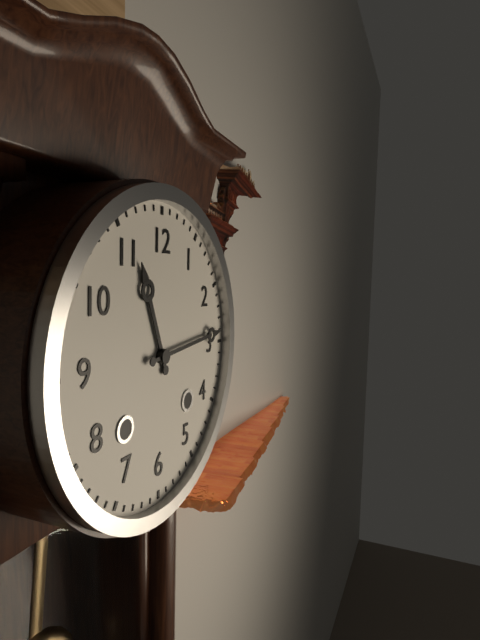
11:14
